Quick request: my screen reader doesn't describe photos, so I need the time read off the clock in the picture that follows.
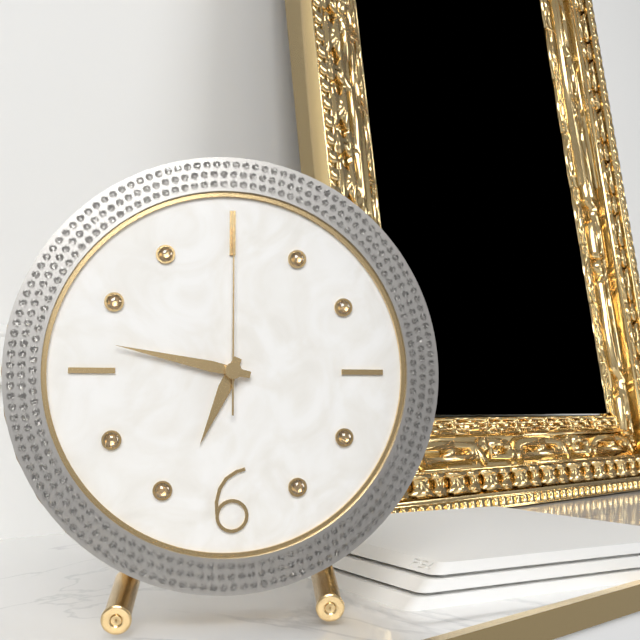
6:47:00
